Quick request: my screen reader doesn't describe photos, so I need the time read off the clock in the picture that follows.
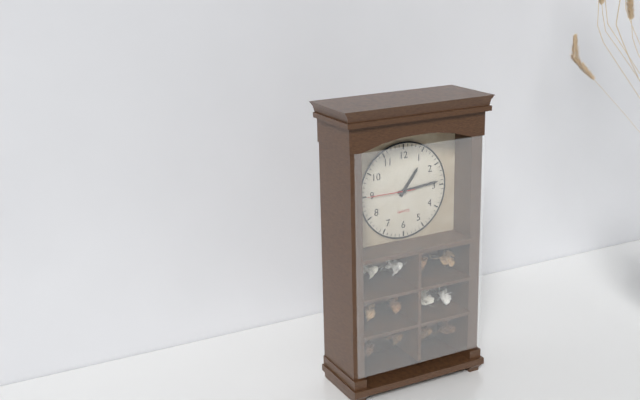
1:14
